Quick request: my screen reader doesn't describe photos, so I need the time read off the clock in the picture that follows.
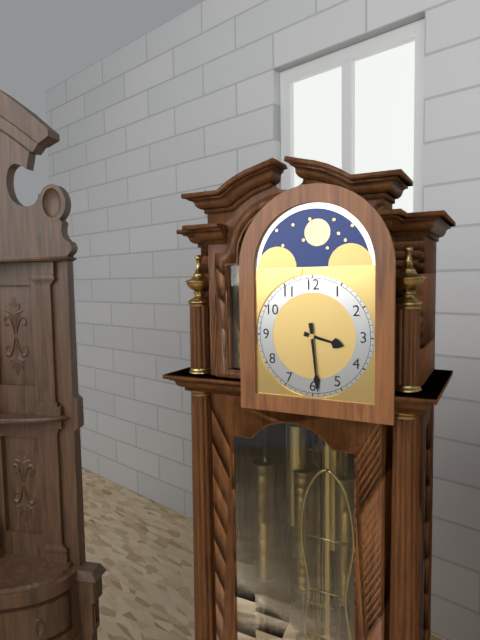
3:29
